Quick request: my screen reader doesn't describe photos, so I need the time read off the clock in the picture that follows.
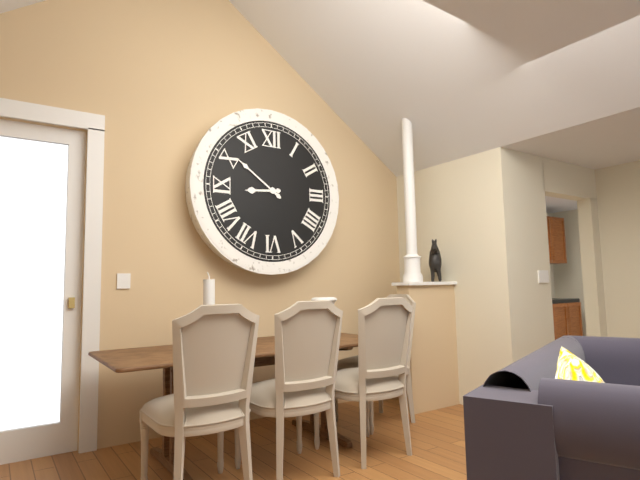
8:51
